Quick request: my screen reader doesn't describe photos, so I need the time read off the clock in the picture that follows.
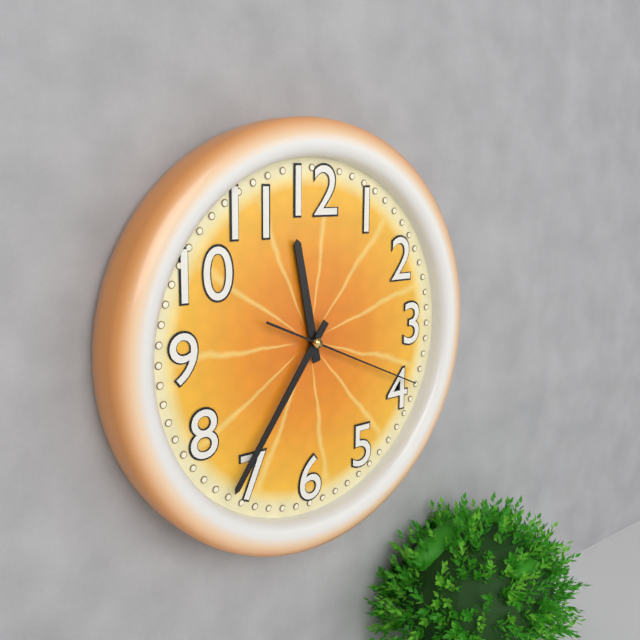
11:36:19
